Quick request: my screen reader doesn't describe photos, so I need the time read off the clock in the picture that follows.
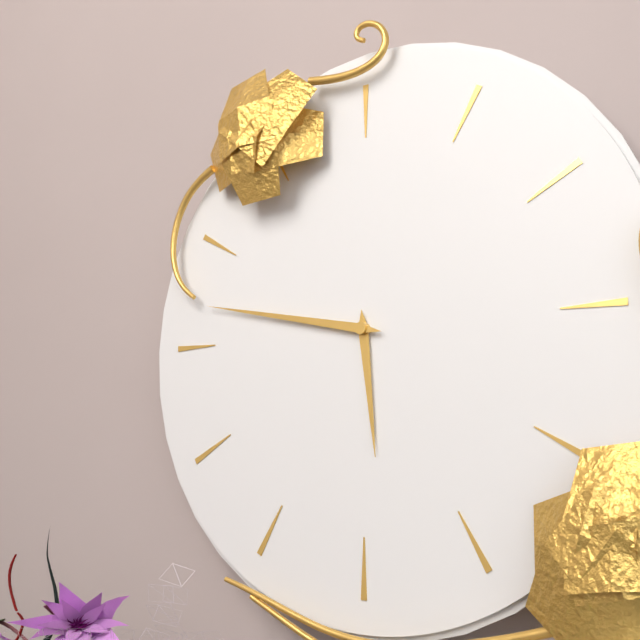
5:47
